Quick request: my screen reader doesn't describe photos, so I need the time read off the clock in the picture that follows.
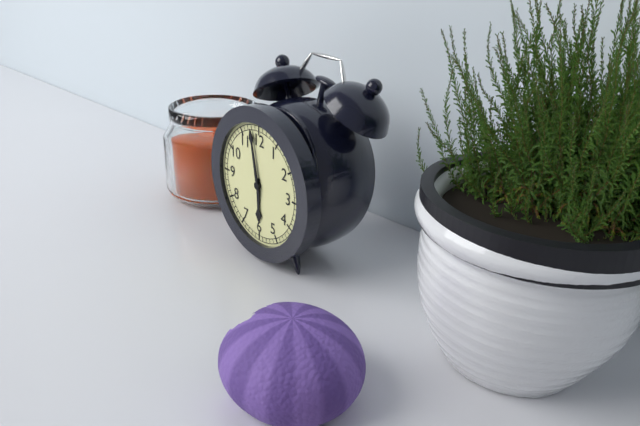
5:58
